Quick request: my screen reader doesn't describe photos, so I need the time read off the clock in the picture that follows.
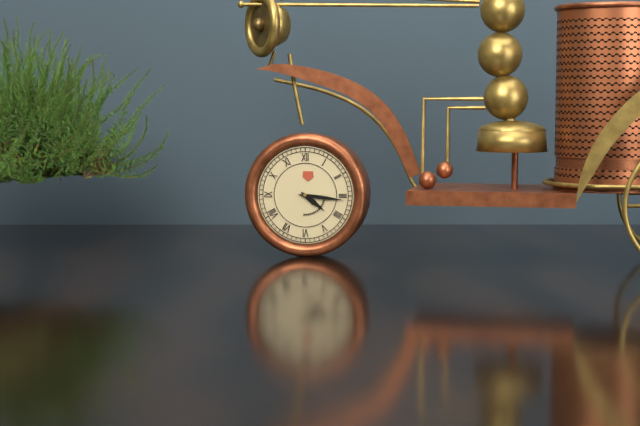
4:16
